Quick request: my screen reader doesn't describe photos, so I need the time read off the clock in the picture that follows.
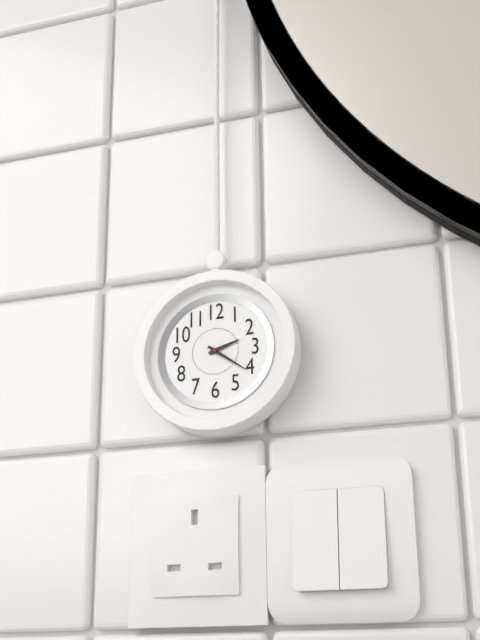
2:21
